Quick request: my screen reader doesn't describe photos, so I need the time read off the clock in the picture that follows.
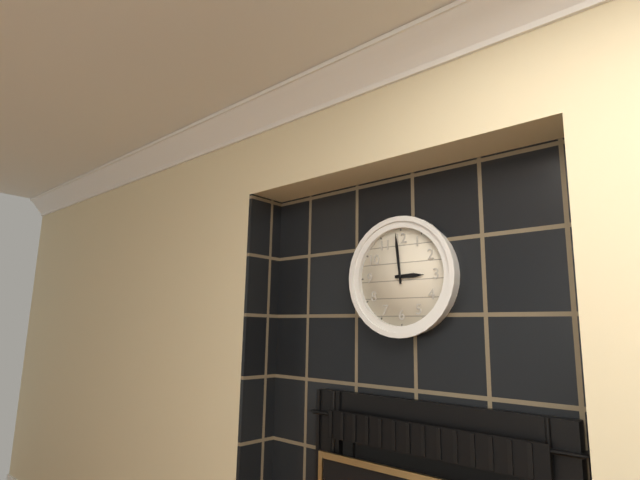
2:59
